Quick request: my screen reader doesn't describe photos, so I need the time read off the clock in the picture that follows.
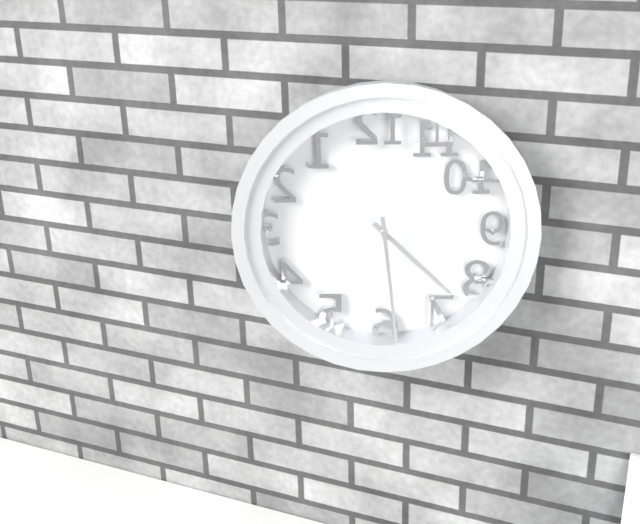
4:29
